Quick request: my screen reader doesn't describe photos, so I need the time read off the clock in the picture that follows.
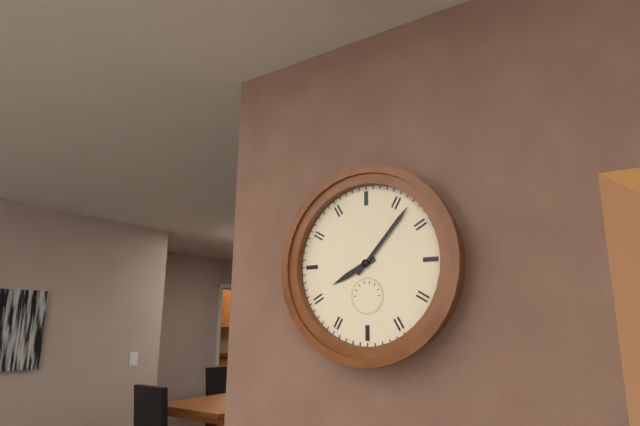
8:07
